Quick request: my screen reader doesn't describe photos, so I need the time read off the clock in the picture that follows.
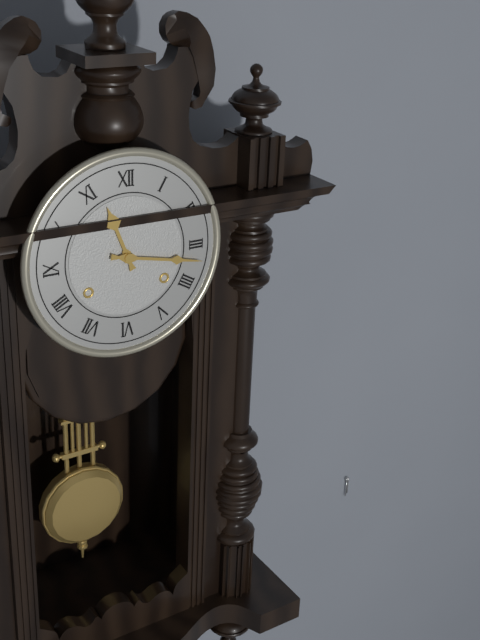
11:17
